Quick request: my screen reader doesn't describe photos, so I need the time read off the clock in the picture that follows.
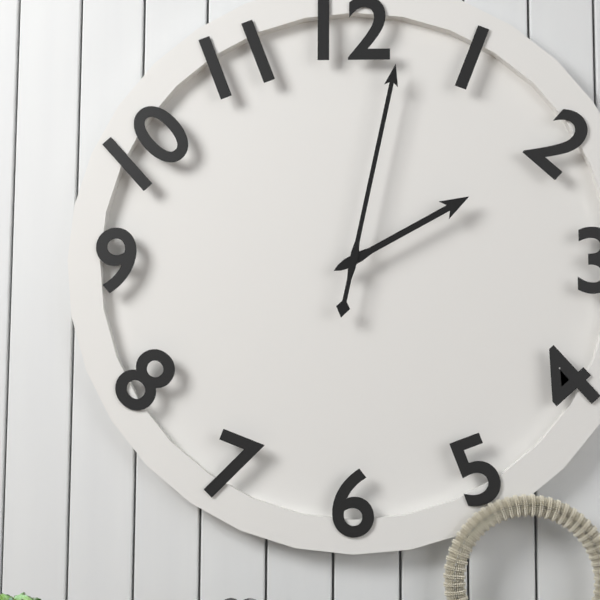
2:02
